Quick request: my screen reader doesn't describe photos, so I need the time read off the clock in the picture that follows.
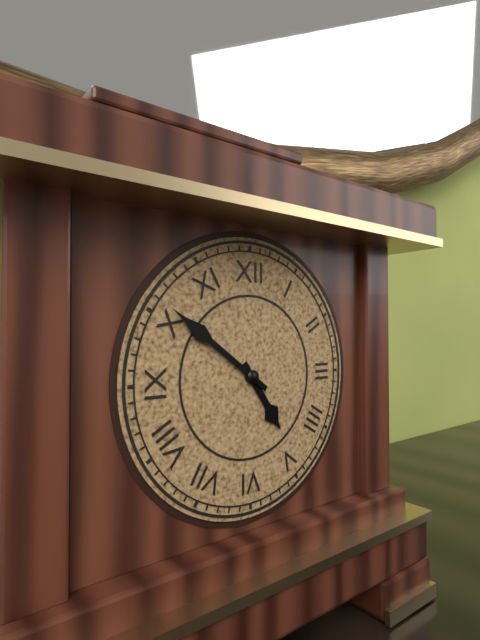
4:51
